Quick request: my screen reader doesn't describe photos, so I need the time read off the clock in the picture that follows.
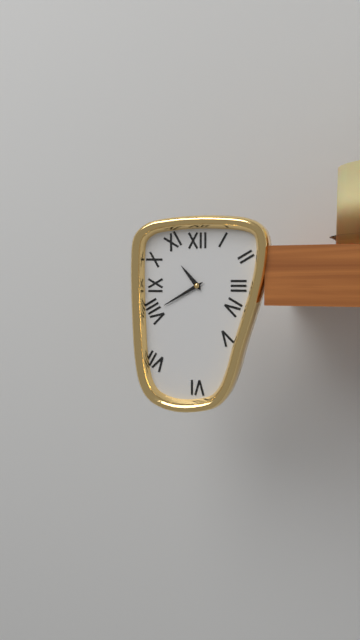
10:40
